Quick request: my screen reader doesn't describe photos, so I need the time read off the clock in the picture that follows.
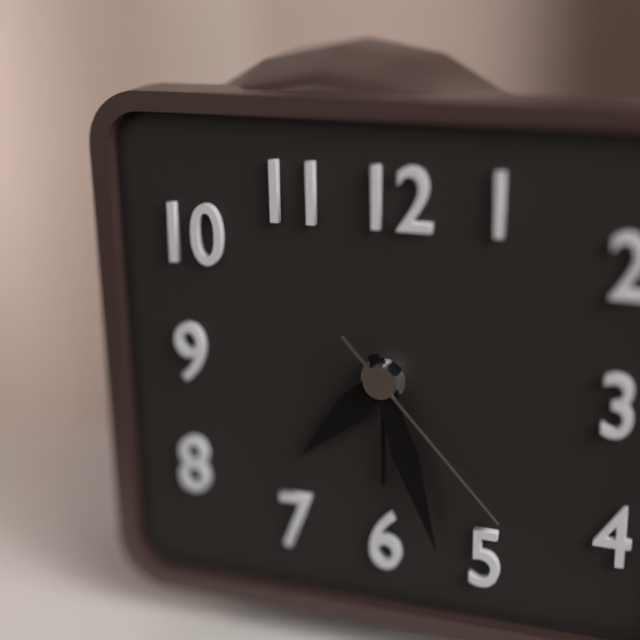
7:27:23
